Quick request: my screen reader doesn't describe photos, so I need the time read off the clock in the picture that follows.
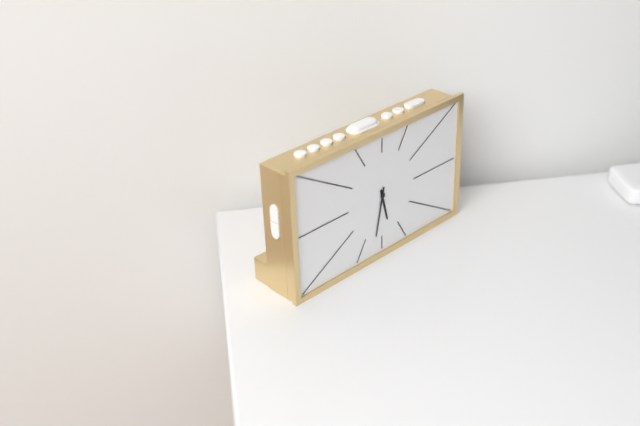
5:32
